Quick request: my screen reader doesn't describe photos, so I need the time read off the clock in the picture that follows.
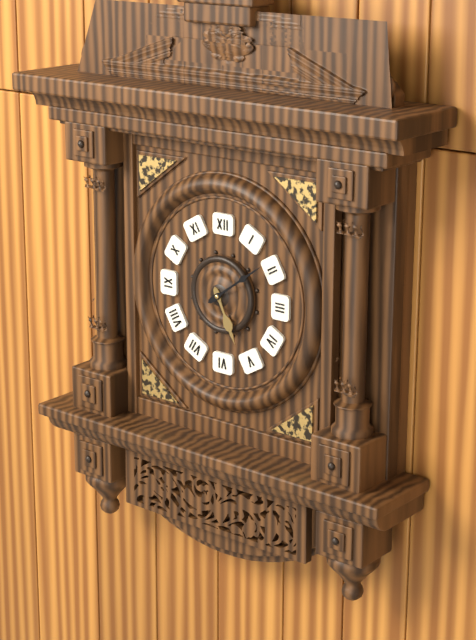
5:09
